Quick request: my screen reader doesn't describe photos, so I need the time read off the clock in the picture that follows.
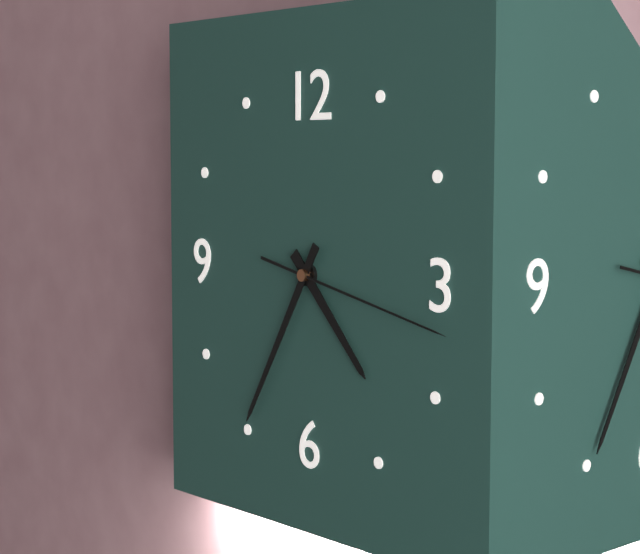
4:35:17
